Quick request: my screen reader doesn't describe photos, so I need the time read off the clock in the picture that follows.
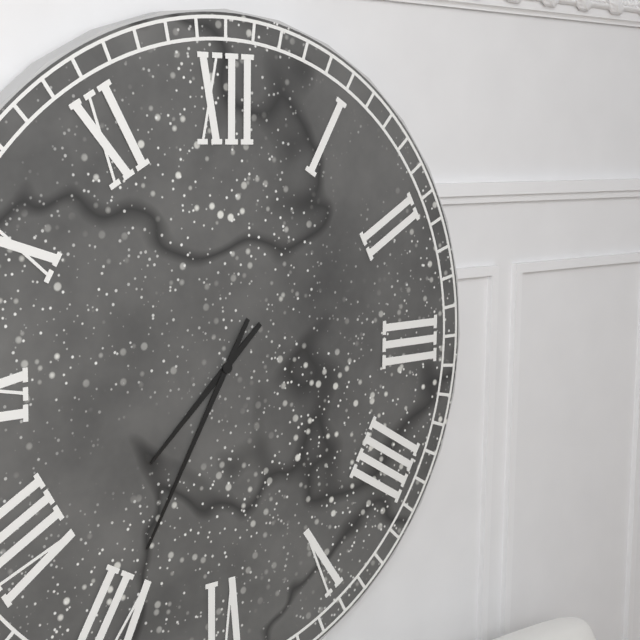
7:35
